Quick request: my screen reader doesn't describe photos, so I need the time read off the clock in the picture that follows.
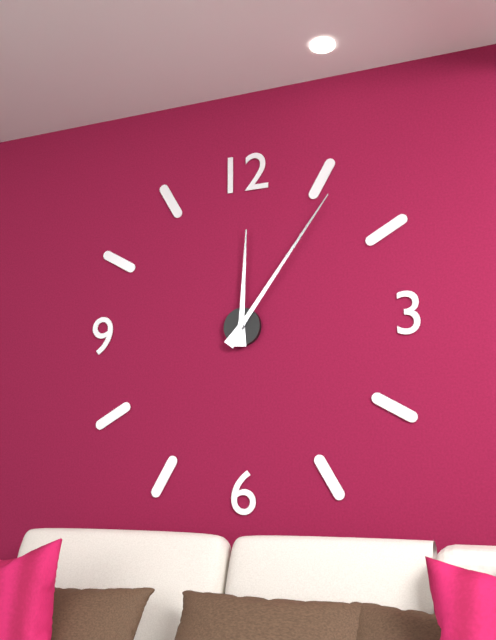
12:06
